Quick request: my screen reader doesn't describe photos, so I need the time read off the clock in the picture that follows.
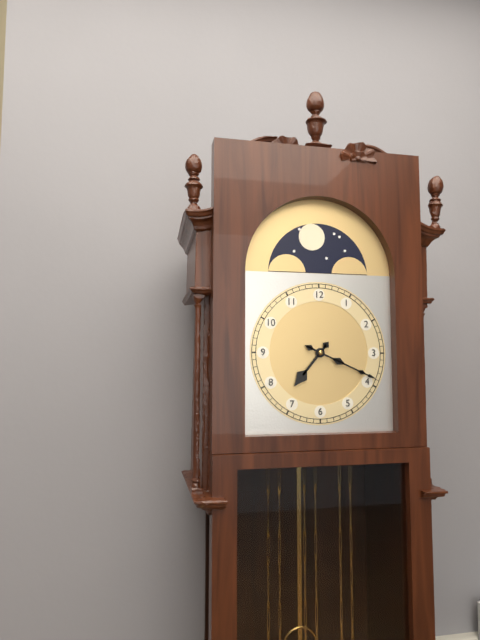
7:19
